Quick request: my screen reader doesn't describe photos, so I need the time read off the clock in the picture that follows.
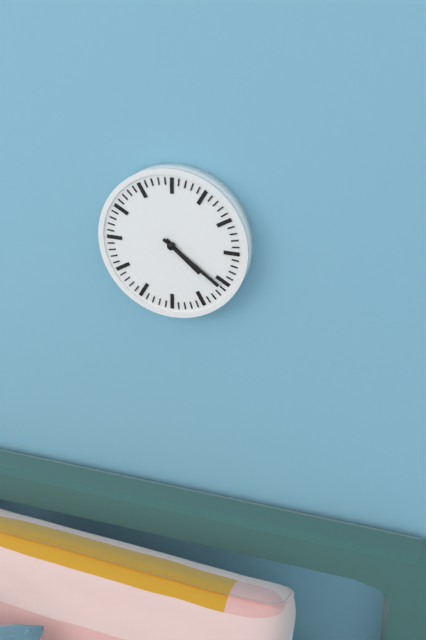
4:21
